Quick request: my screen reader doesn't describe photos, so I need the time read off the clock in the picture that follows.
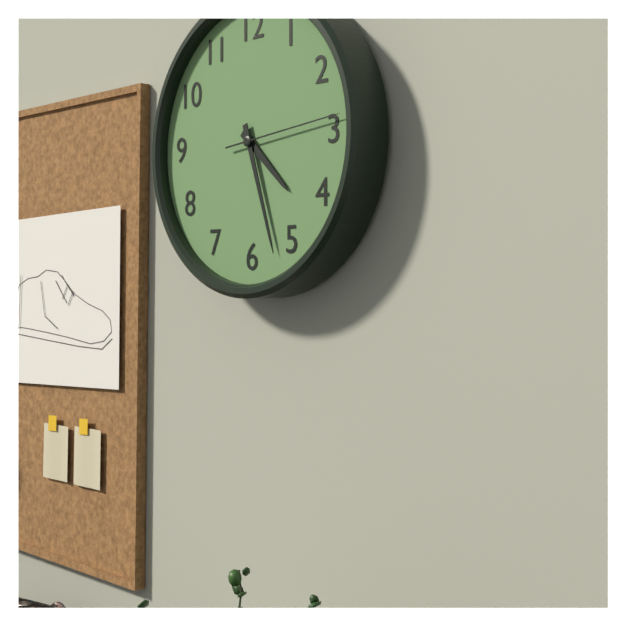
4:27:14
